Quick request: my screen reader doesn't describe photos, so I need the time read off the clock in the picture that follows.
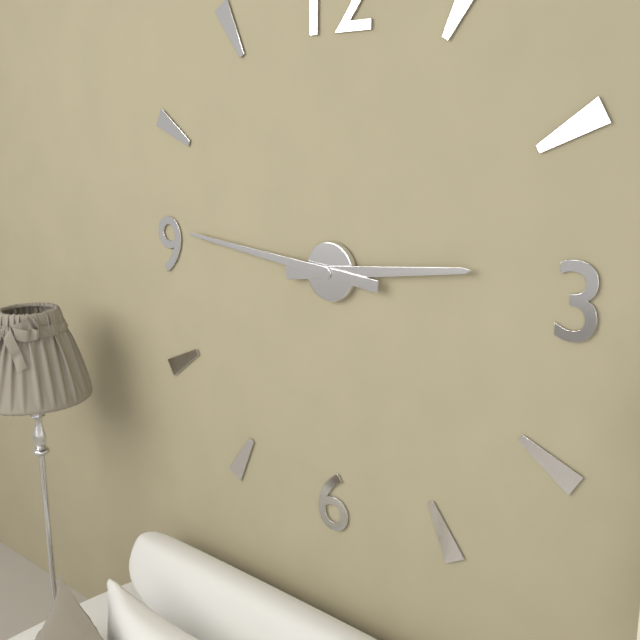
2:46
